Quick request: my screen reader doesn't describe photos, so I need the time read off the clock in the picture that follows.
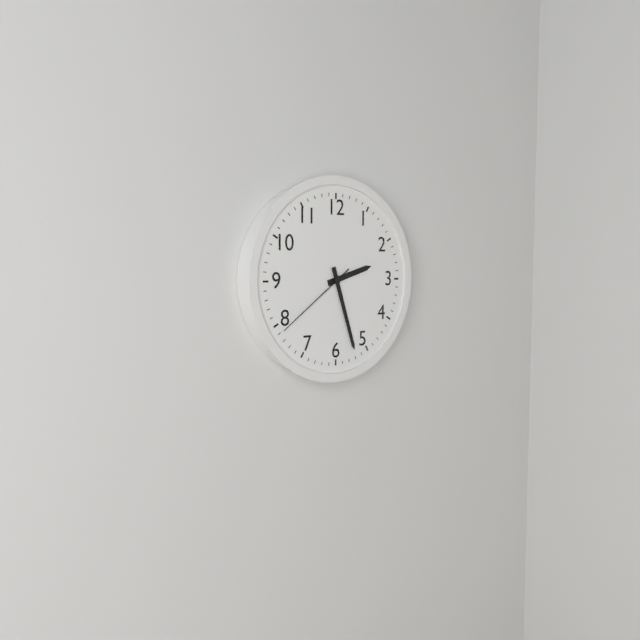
2:27:39
